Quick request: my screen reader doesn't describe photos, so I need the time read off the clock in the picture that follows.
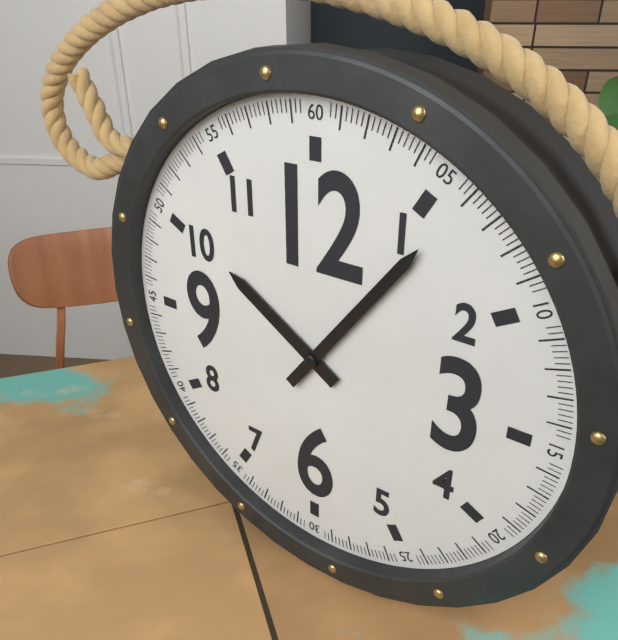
10:06
